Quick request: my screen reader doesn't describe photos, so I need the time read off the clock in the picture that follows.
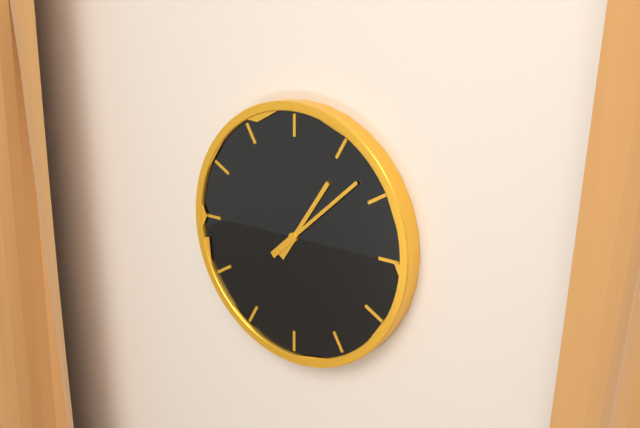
1:08
